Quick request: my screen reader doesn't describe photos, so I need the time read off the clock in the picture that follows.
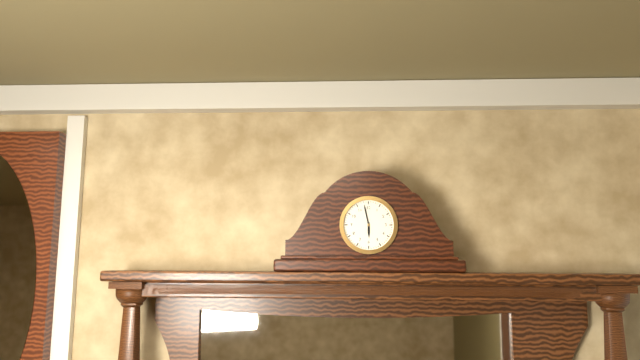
5:58
